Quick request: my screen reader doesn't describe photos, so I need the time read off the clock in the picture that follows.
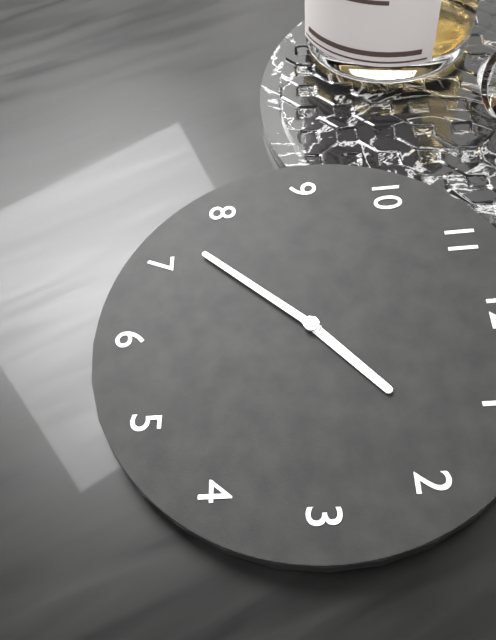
1:37
